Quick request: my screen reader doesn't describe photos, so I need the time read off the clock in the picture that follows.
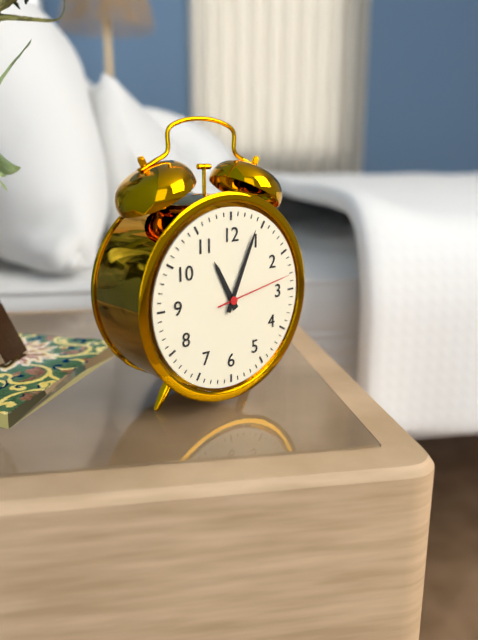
11:04:13
